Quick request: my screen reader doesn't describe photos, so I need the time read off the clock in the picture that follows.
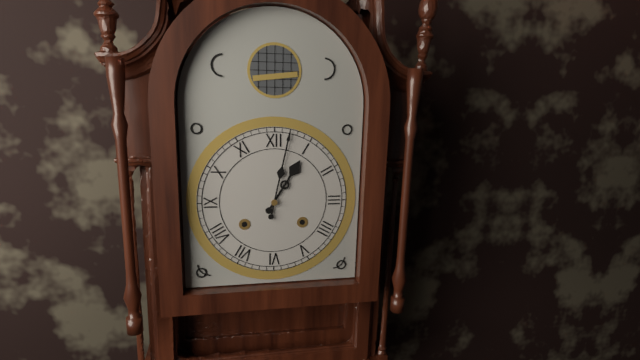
1:02
